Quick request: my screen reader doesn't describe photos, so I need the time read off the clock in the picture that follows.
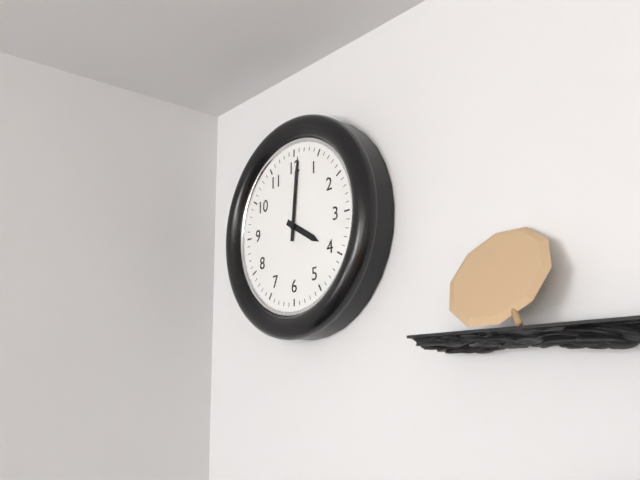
4:01
